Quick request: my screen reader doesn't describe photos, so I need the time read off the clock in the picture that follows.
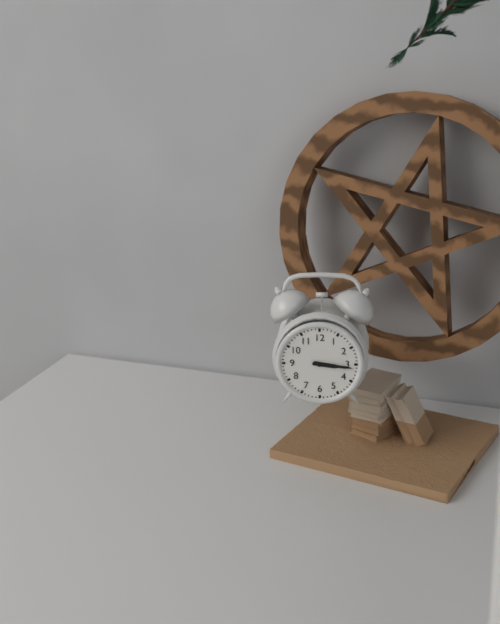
3:16
